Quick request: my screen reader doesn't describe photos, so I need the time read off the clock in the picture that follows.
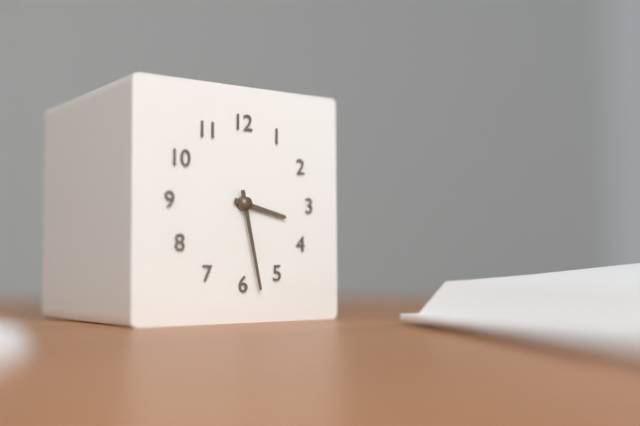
3:28
